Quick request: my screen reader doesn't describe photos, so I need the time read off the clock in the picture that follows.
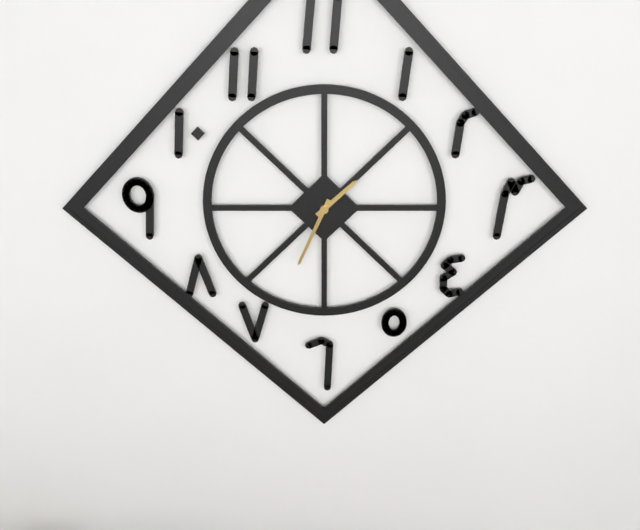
1:34
